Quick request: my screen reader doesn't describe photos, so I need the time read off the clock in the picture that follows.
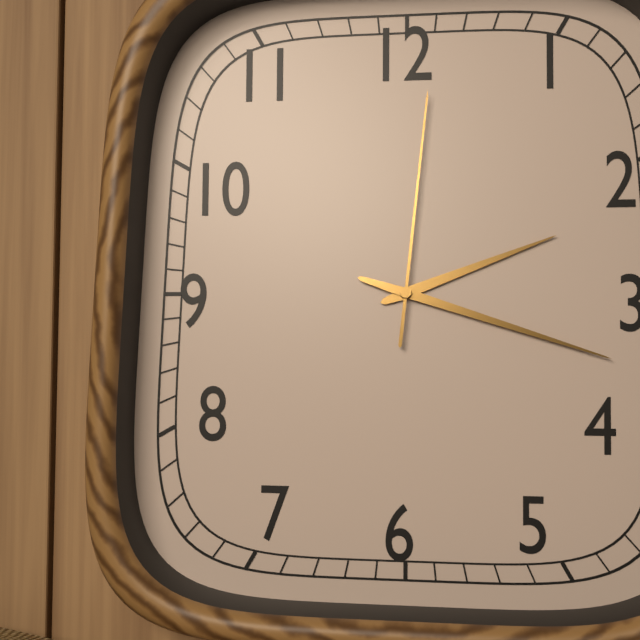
2:18:01
